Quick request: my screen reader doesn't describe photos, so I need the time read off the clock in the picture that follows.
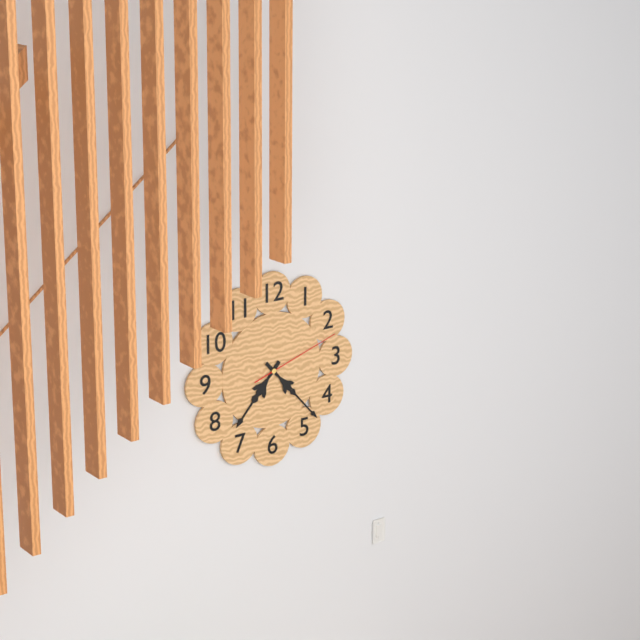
7:23:12
